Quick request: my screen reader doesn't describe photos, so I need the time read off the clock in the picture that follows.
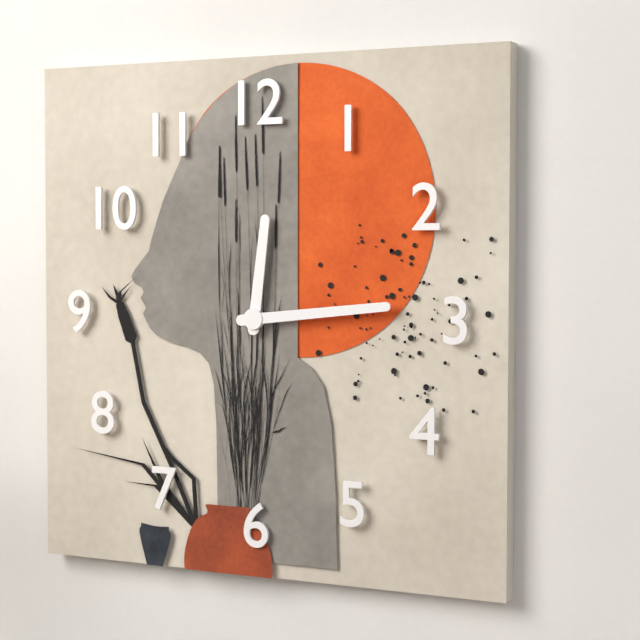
12:14
